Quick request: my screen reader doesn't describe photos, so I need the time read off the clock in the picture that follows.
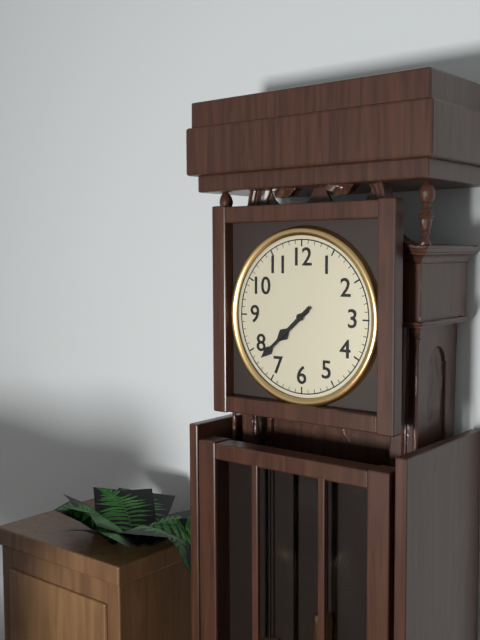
7:38
